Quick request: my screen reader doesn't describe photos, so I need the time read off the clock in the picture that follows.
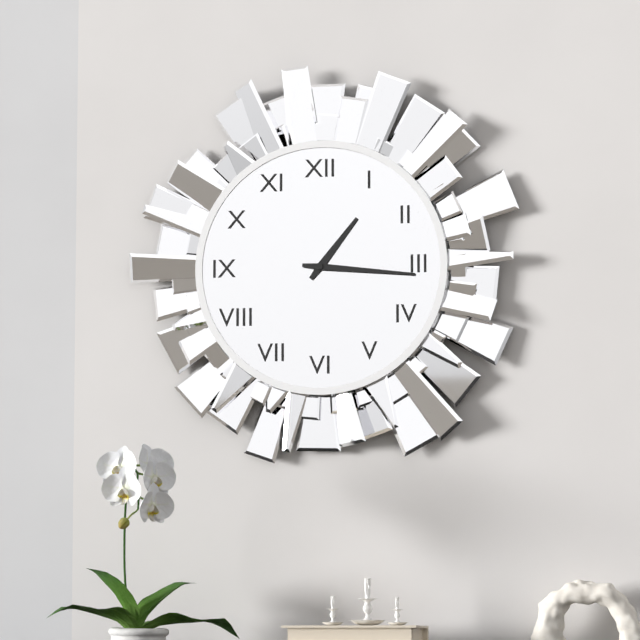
1:16
